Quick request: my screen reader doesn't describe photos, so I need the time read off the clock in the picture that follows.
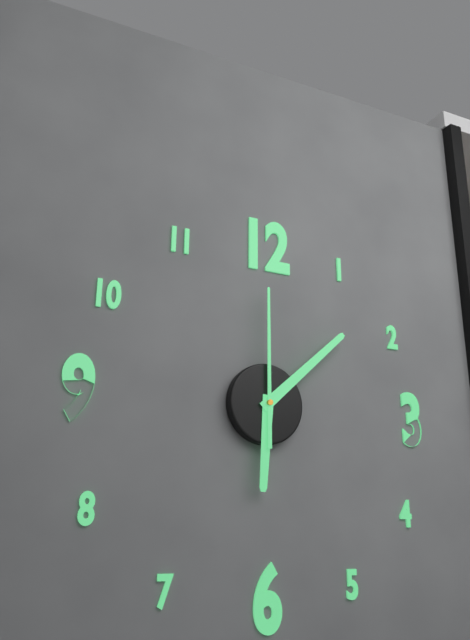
6:08:00
